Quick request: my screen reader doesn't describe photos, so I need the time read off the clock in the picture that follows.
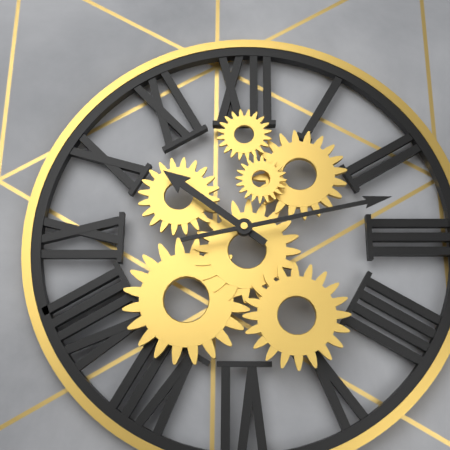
10:13
